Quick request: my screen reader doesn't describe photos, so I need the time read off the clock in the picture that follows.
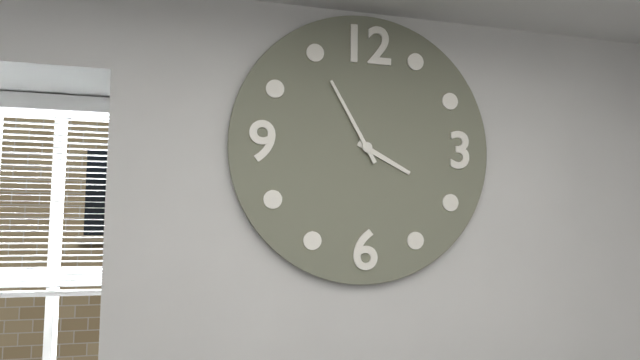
3:55
